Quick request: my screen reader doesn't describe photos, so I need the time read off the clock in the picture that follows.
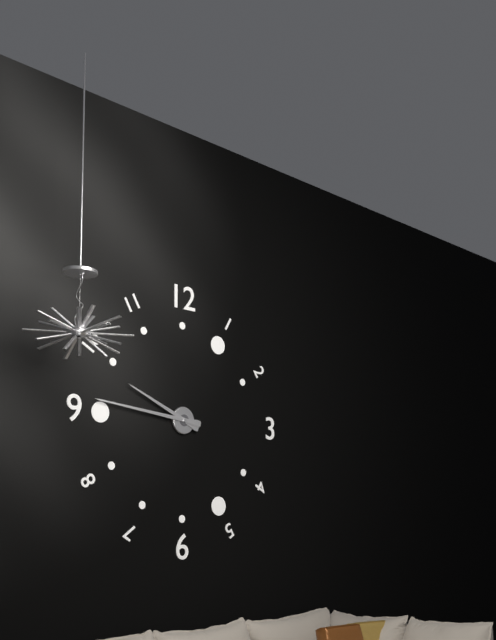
9:46
